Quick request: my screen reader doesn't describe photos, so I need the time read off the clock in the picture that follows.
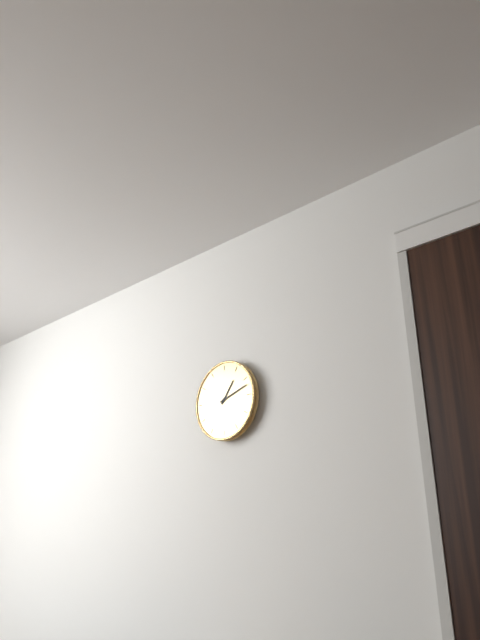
1:12
